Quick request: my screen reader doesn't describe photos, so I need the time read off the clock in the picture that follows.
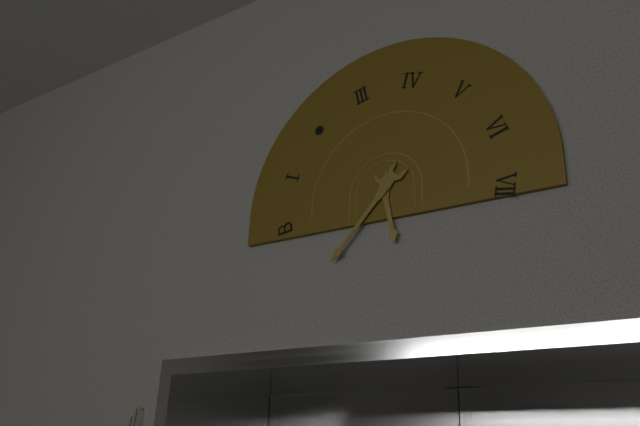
5:37
